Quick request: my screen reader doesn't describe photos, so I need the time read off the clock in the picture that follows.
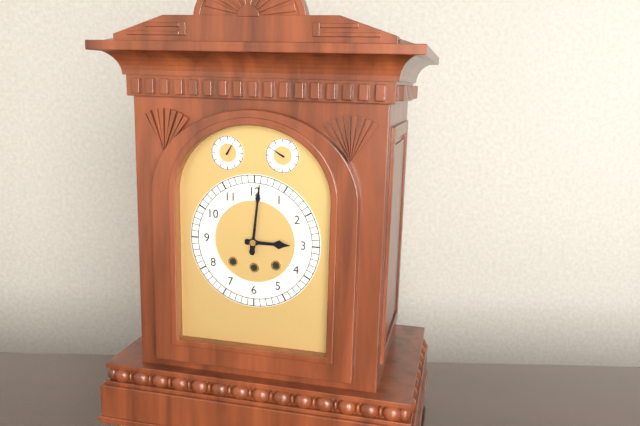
3:01
